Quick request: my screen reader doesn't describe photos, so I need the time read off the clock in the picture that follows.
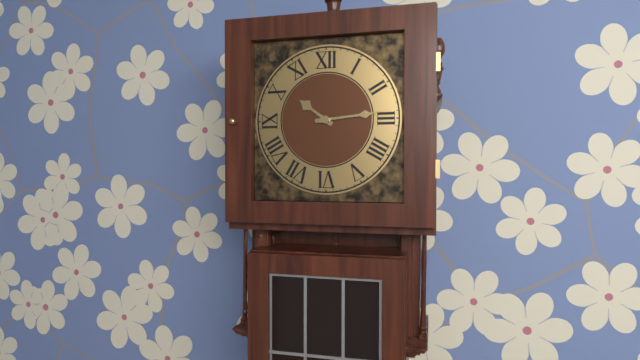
10:14
